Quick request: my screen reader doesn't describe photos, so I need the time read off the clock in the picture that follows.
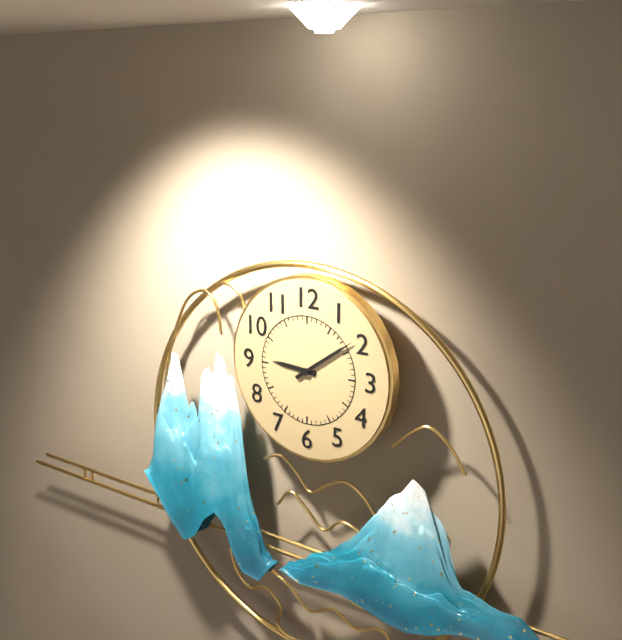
9:09
